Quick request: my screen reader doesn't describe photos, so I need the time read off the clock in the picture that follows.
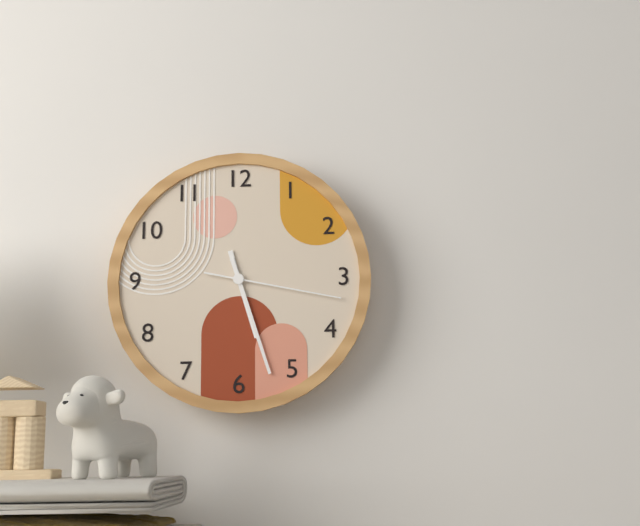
5:27:17
